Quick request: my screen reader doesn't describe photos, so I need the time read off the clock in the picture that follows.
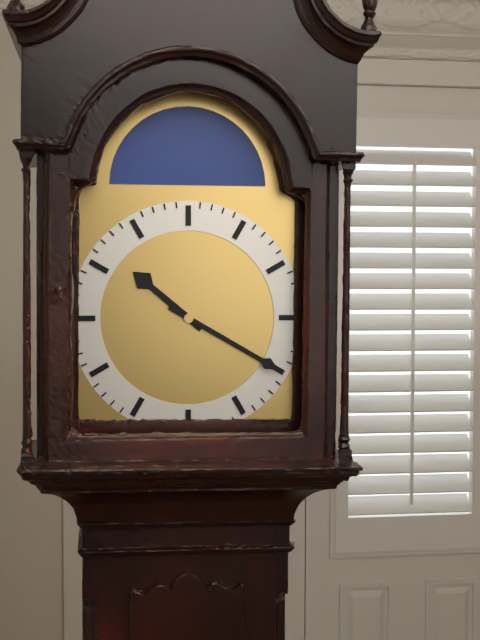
10:20
